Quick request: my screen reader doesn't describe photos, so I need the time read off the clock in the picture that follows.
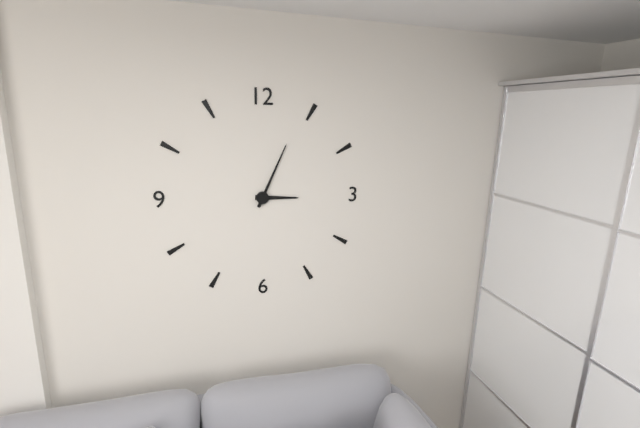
3:04
